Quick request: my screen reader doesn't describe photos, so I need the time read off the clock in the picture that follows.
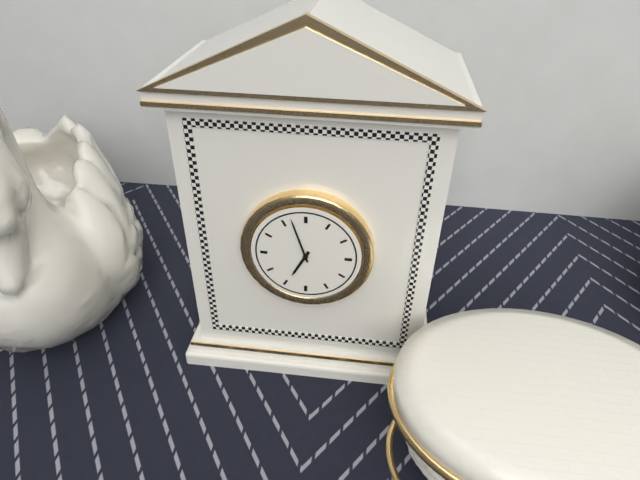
6:57
